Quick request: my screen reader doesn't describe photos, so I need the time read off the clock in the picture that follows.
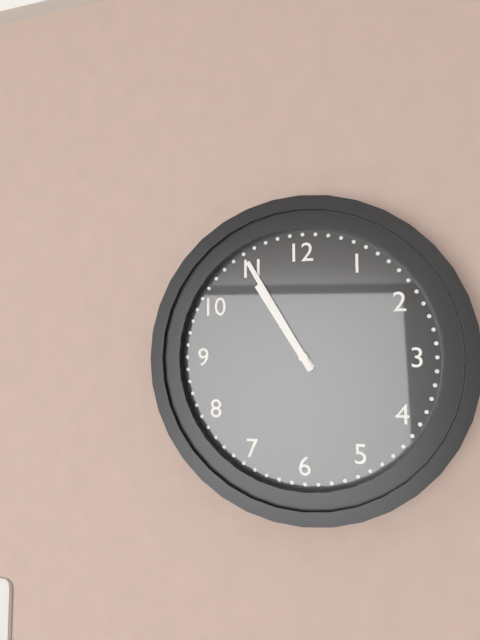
10:55
